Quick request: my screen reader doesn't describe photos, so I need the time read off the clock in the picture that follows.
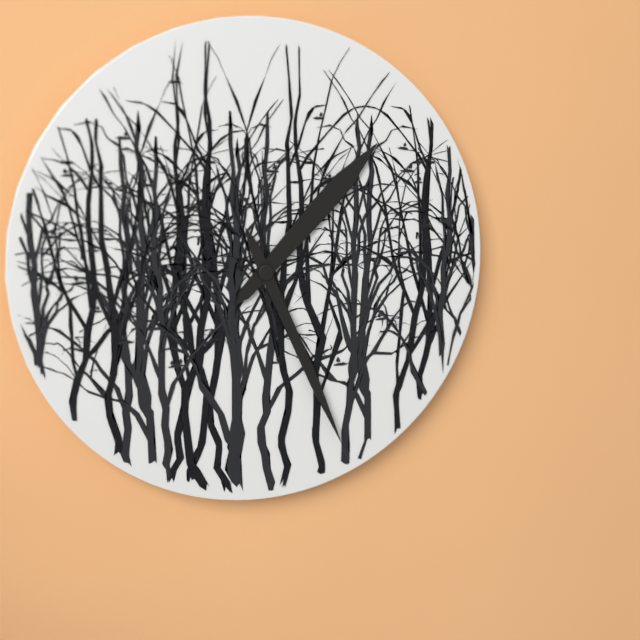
1:26
